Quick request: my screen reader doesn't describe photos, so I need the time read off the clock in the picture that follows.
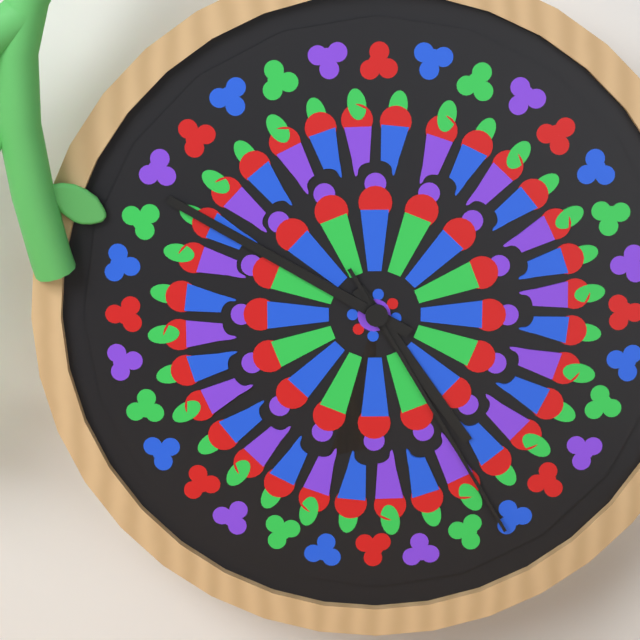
4:50:25
